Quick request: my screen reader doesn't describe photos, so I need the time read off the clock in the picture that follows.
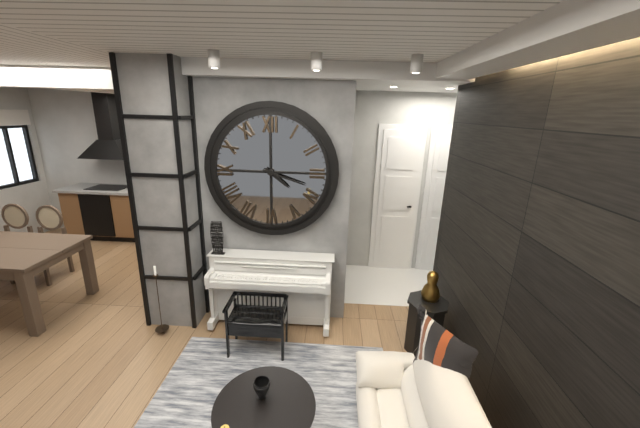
4:18
